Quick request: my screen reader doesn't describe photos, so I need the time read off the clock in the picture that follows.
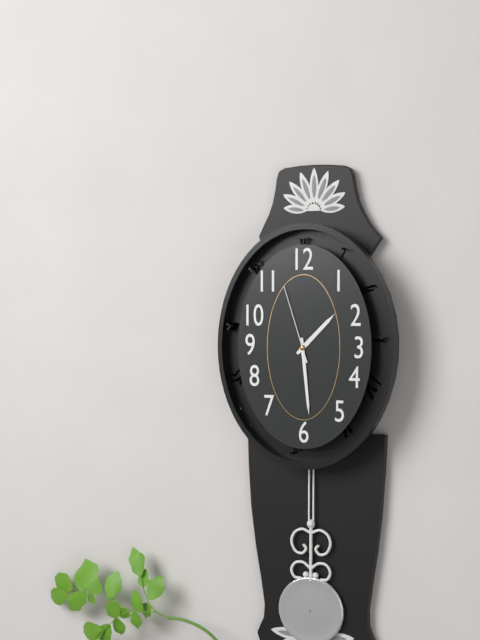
1:29:57
